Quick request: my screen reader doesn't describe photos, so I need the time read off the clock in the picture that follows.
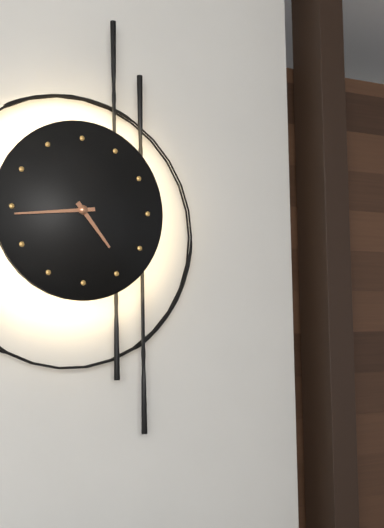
4:44
